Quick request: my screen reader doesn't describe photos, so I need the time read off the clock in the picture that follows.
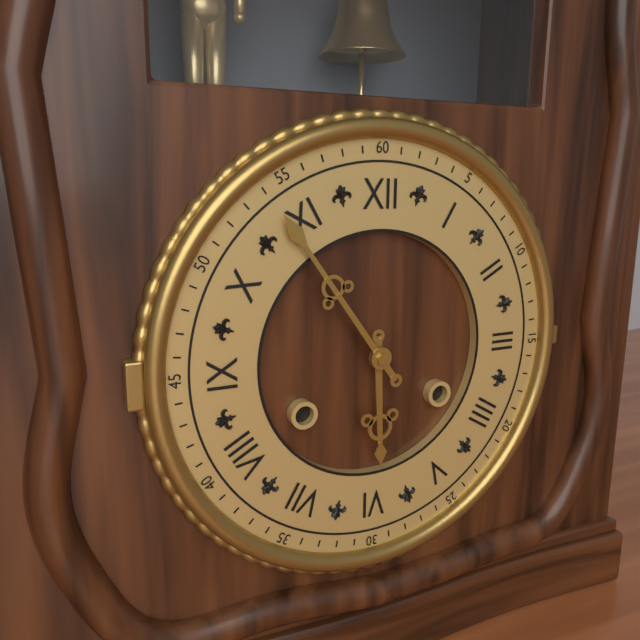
5:54
